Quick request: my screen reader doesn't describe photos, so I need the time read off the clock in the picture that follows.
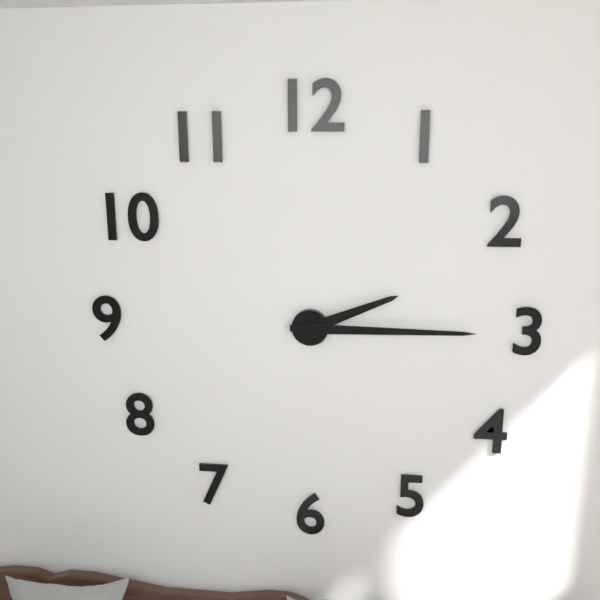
2:15
